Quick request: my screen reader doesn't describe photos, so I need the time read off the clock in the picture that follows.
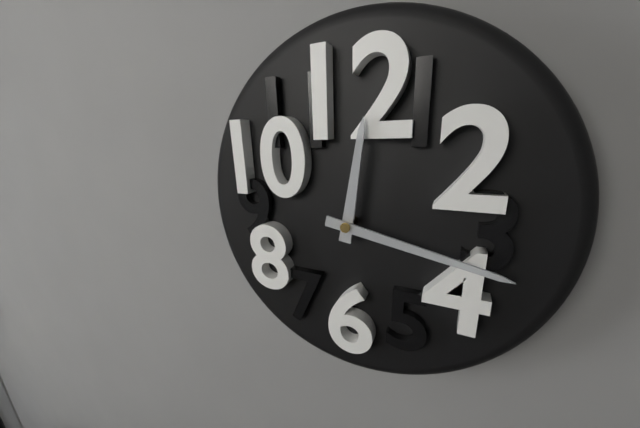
12:17
